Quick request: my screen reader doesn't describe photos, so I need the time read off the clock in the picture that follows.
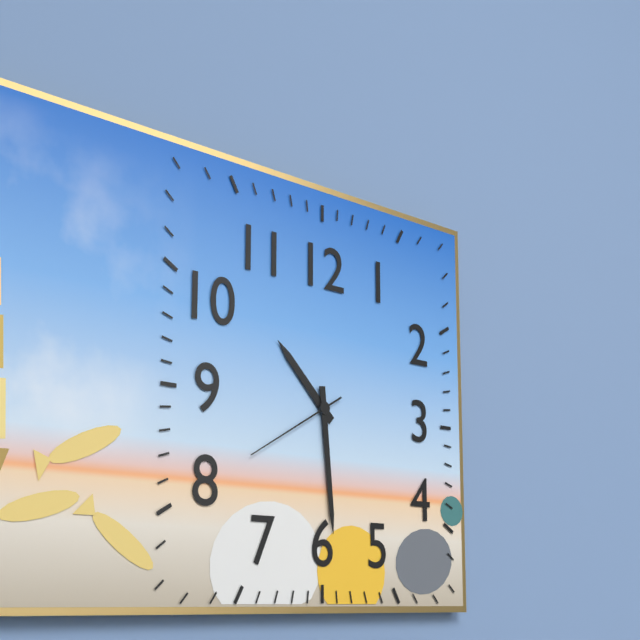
10:29:40
